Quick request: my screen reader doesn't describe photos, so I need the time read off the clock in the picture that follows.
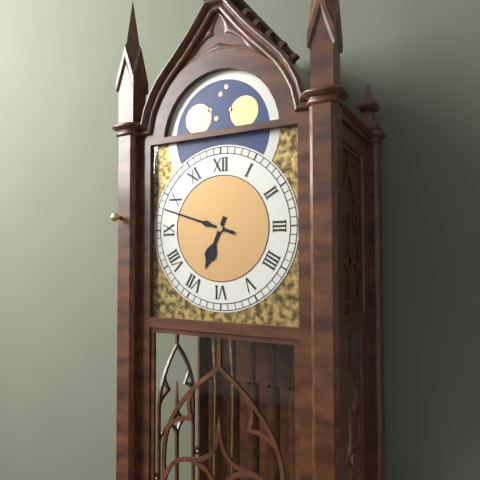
6:48
